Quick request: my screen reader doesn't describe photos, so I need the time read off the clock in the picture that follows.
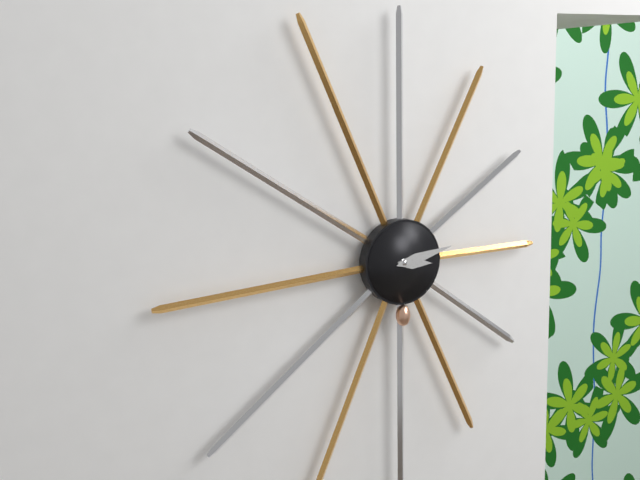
3:13
